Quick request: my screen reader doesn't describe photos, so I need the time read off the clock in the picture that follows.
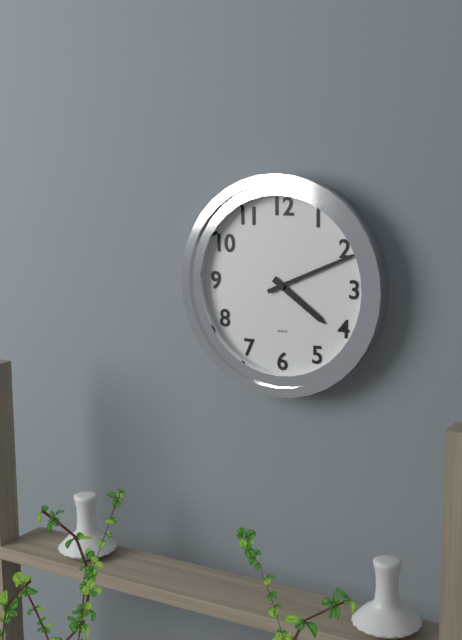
4:11
